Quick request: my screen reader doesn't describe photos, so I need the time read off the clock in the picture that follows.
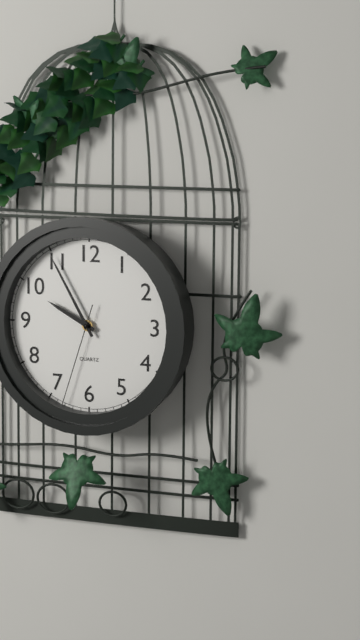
9:55:33
